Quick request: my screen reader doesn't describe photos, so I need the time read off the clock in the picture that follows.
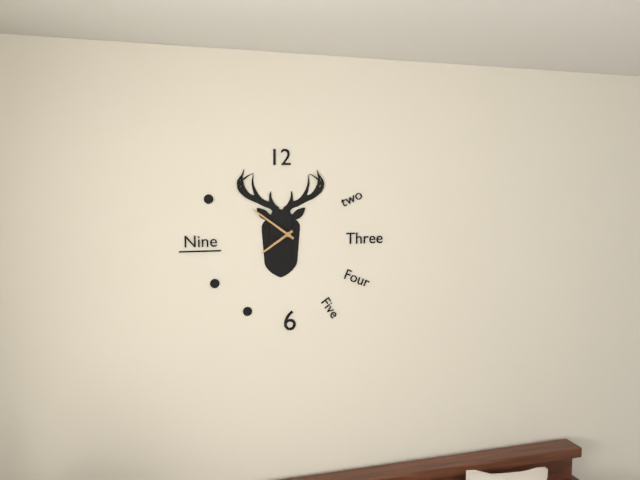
7:51
